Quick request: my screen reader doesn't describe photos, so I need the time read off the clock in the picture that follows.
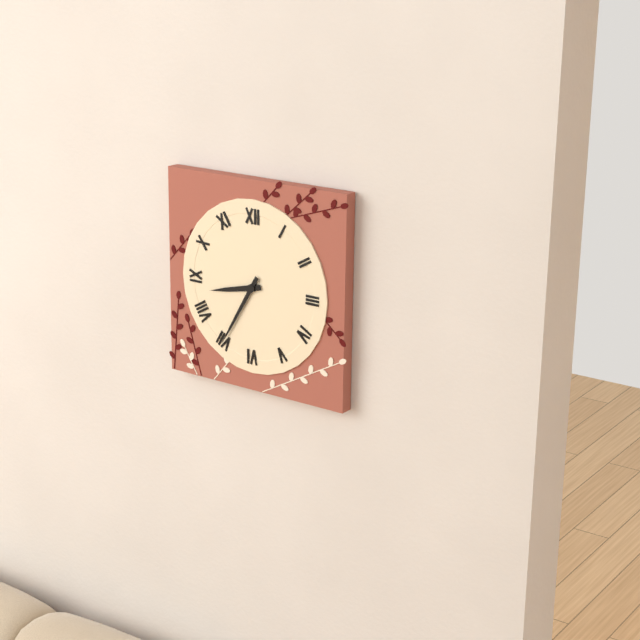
8:35
